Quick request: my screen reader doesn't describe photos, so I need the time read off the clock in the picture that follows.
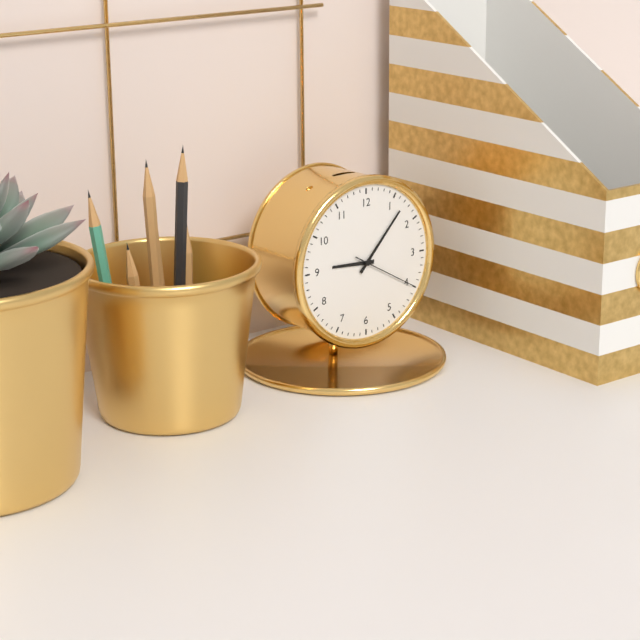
9:07:20
